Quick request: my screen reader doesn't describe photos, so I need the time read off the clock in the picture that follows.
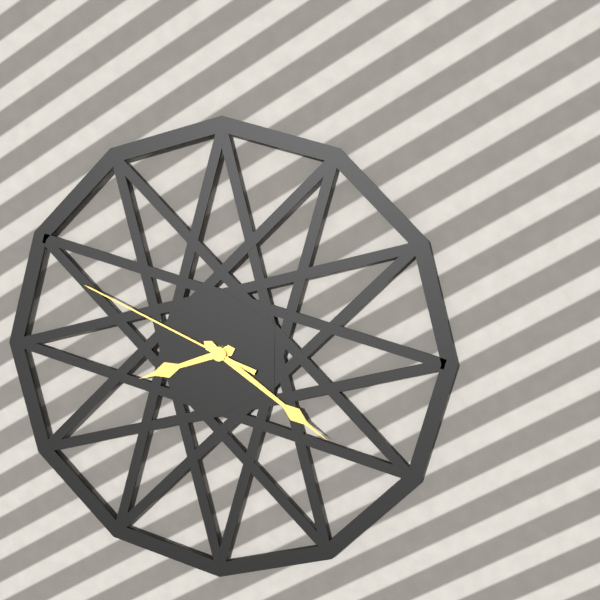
8:21:49
